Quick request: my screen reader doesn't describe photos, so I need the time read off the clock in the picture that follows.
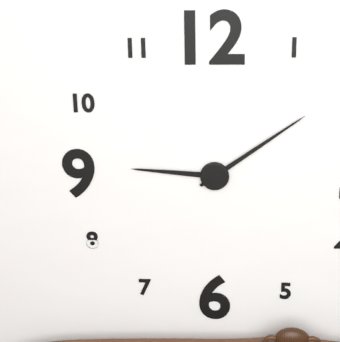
9:09
